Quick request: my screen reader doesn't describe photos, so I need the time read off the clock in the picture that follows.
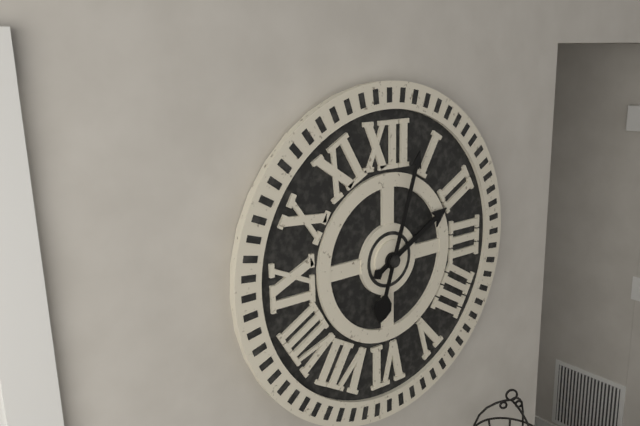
2:03
